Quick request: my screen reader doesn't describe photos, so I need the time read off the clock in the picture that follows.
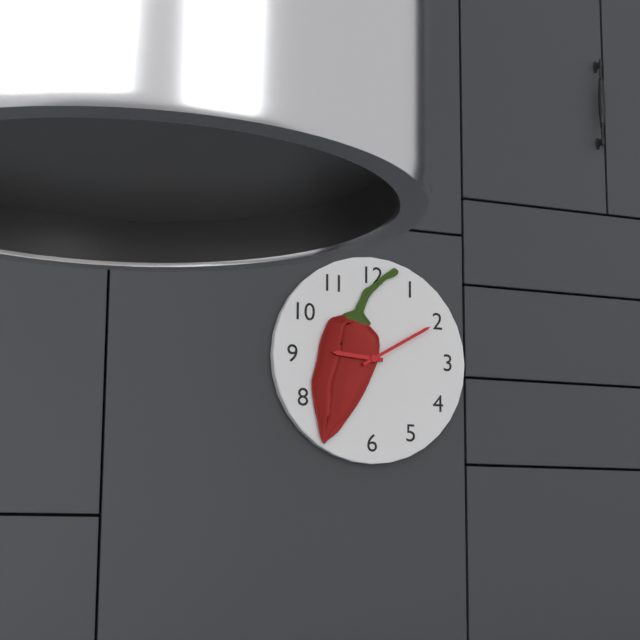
9:10
